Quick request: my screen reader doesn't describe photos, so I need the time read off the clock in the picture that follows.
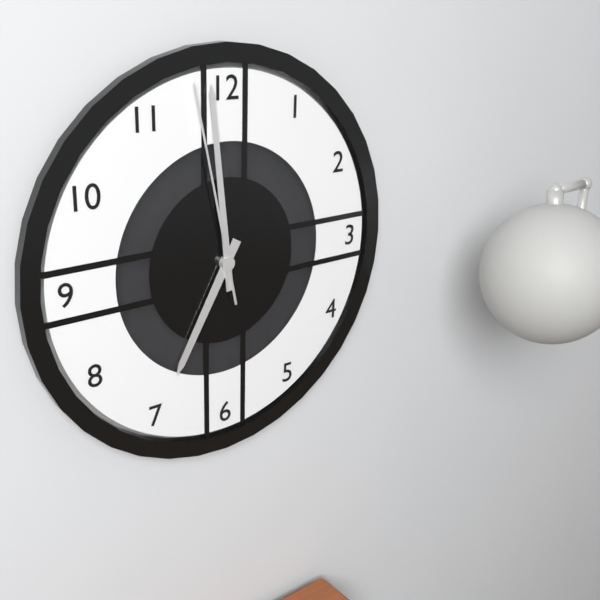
6:59:58
